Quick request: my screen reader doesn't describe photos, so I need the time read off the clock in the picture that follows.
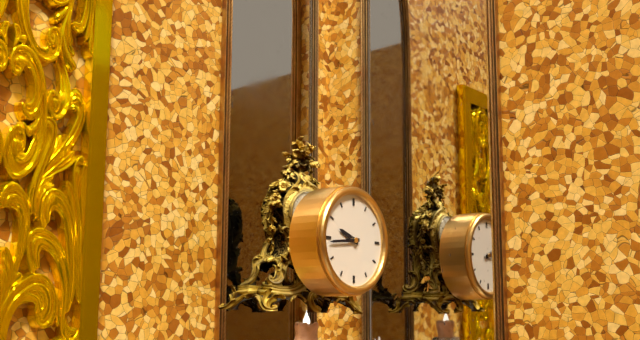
9:44
